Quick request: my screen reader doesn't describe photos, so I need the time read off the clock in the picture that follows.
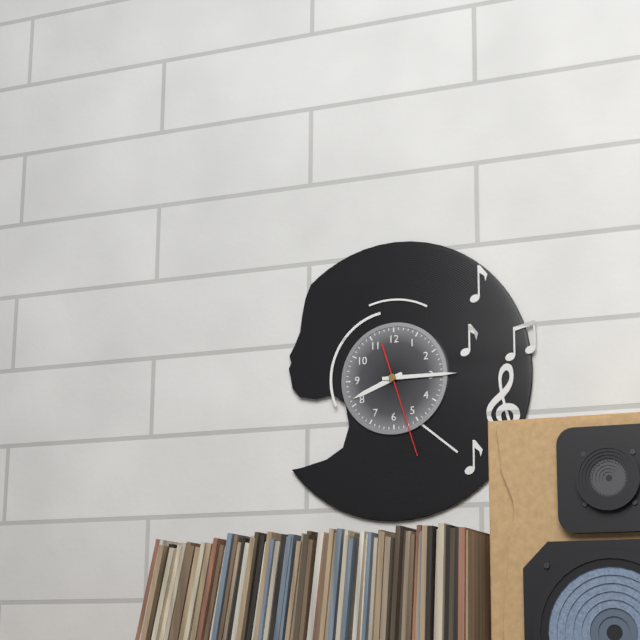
8:15:27
